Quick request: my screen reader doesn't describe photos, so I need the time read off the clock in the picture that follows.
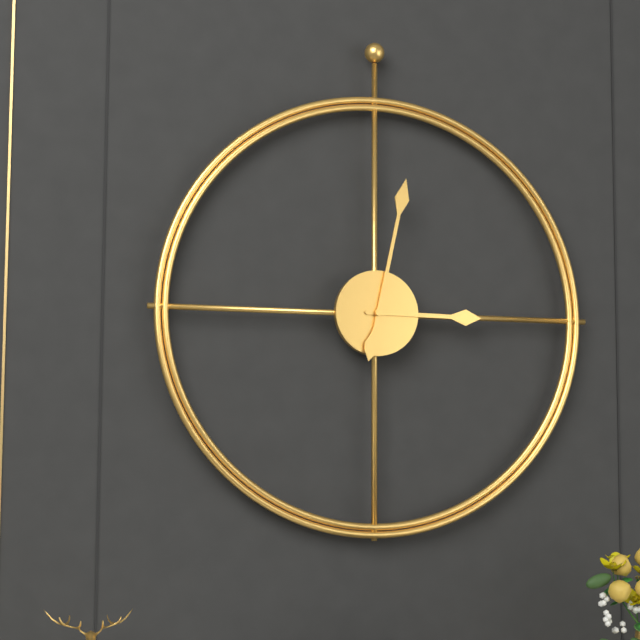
3:02
